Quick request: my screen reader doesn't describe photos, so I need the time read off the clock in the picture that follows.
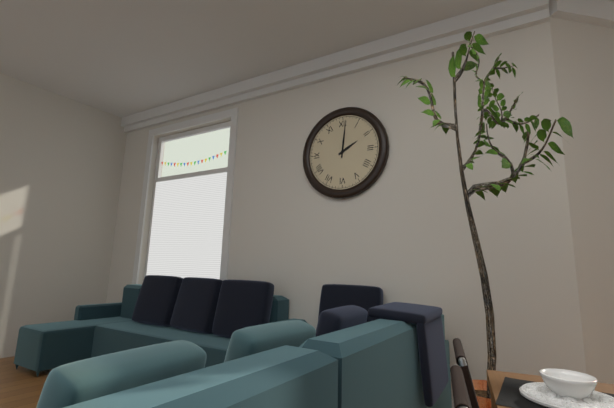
2:01
